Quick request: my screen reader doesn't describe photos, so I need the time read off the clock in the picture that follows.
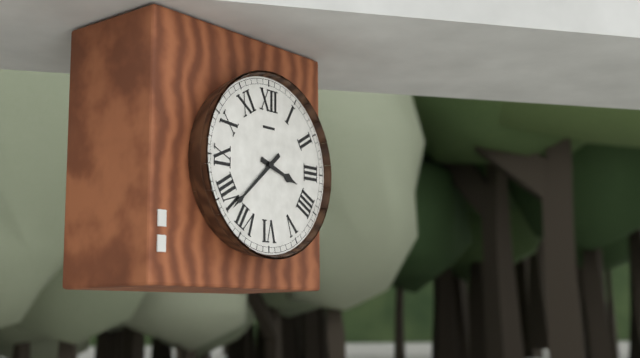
3:38
